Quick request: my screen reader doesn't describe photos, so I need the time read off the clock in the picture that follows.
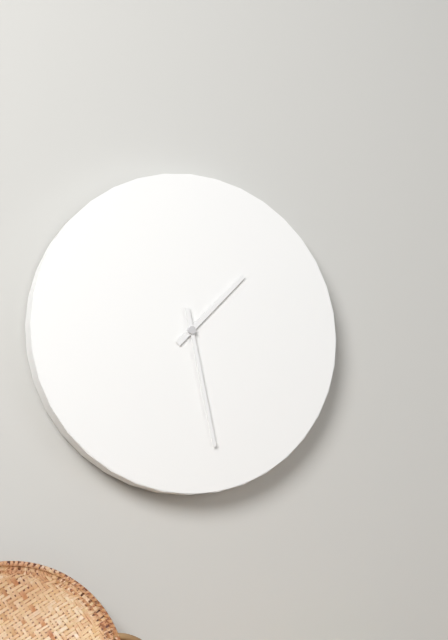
1:28
